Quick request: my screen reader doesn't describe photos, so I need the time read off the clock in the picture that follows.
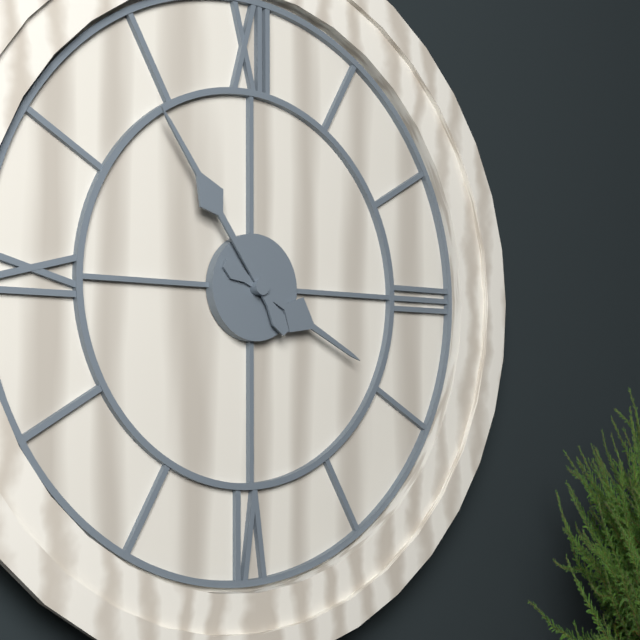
3:54
